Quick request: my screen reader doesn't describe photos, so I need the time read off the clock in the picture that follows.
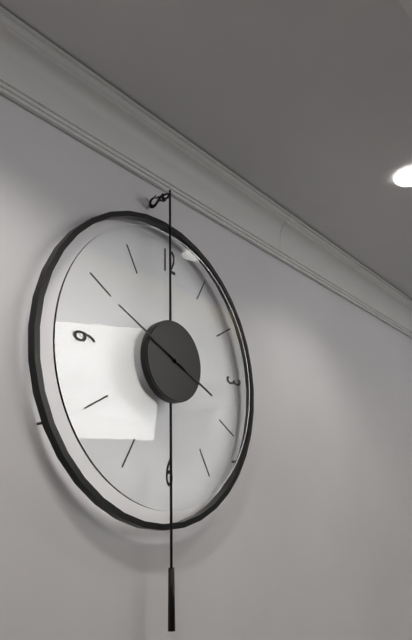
3:49
